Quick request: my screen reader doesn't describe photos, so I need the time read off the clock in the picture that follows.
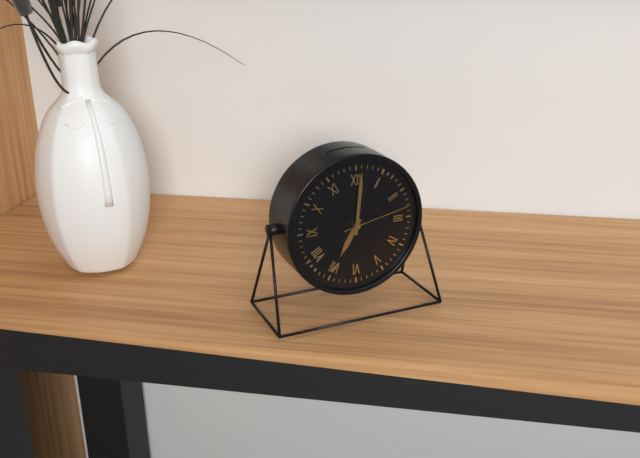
7:01:13
